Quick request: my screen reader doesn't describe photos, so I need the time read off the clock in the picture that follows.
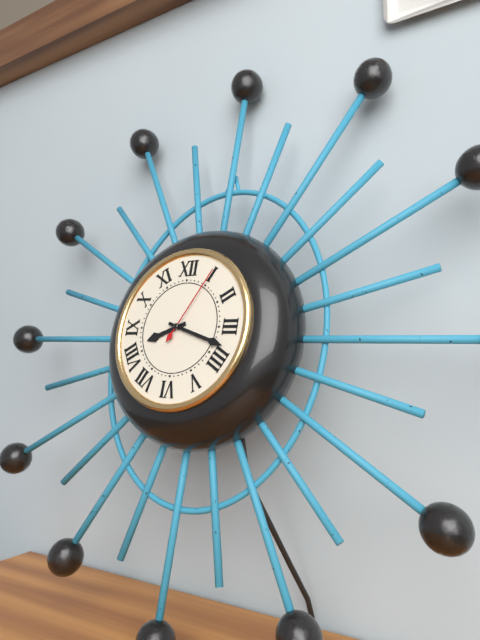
8:18:05
